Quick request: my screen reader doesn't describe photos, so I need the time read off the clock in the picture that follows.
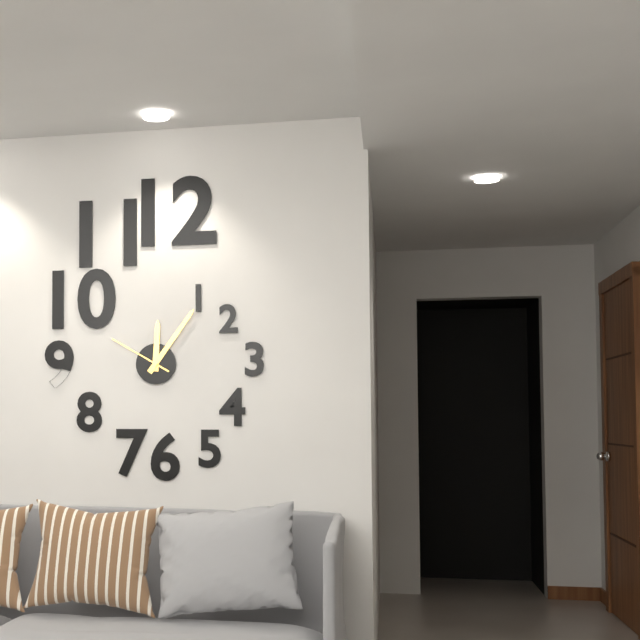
12:06:50
